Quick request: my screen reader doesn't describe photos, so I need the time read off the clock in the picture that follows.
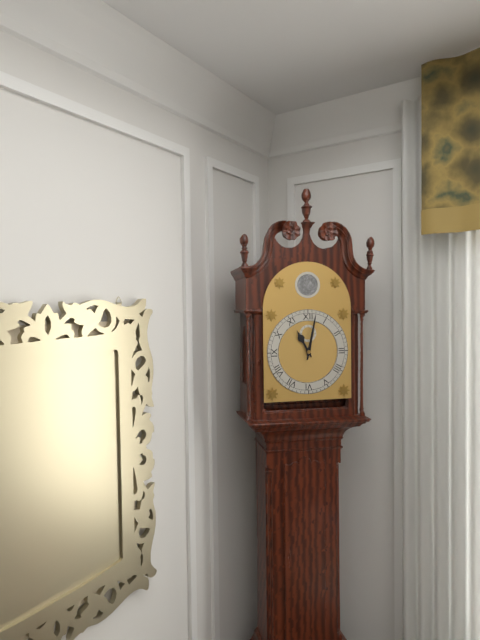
11:02
